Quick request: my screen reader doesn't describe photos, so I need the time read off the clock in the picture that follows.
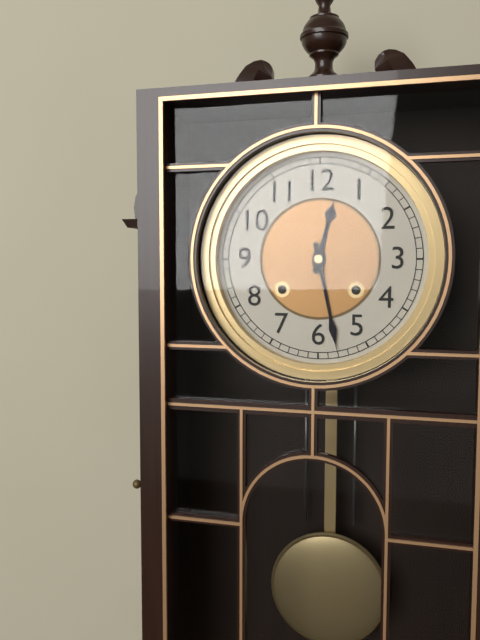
12:28
